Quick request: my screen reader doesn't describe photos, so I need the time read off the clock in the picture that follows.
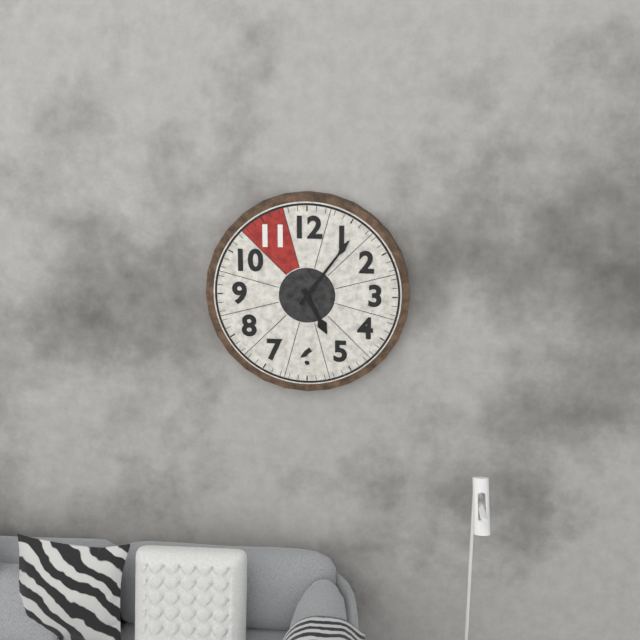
5:06
